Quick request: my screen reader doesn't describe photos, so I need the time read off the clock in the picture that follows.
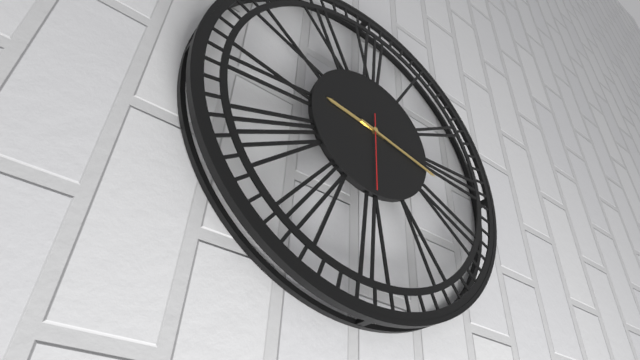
9:17:30
